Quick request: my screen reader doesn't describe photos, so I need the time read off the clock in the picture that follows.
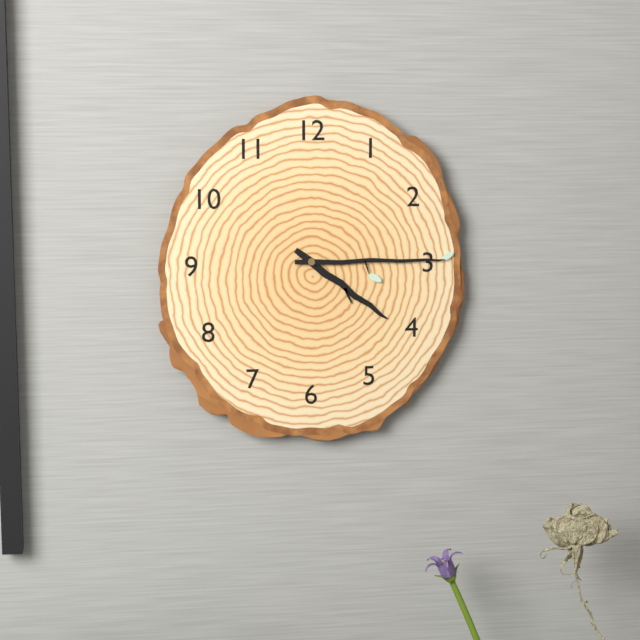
4:15
